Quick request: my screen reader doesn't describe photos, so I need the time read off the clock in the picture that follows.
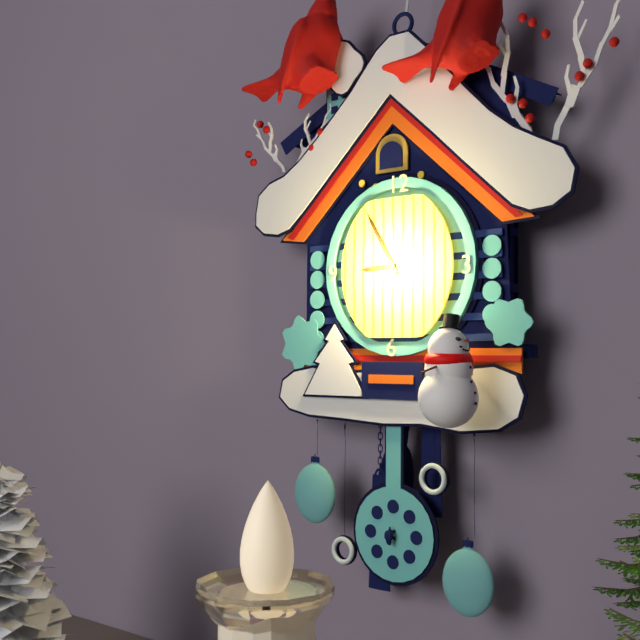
8:55
